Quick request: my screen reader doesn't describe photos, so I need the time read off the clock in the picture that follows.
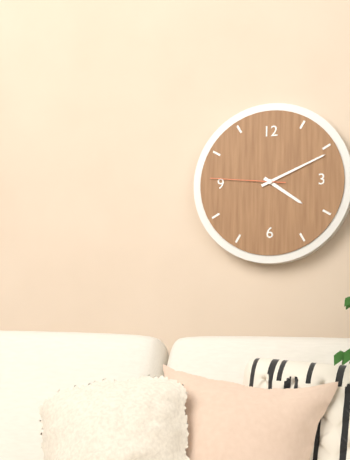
4:11:46
